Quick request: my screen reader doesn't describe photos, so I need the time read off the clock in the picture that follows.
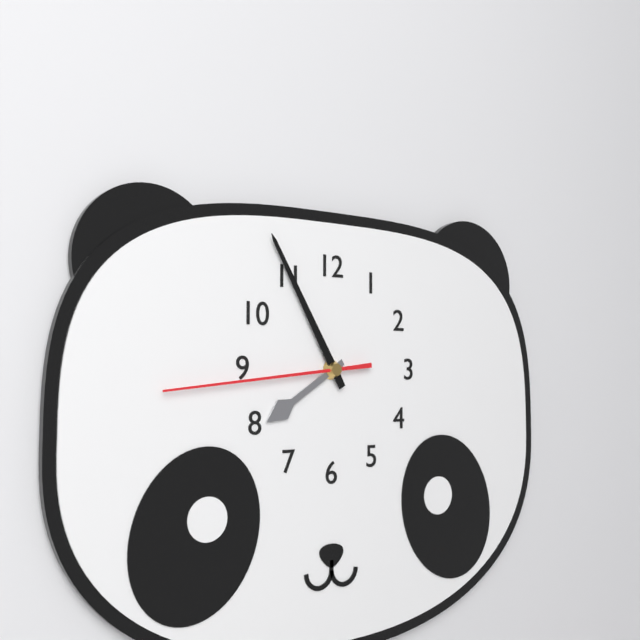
7:55:44
